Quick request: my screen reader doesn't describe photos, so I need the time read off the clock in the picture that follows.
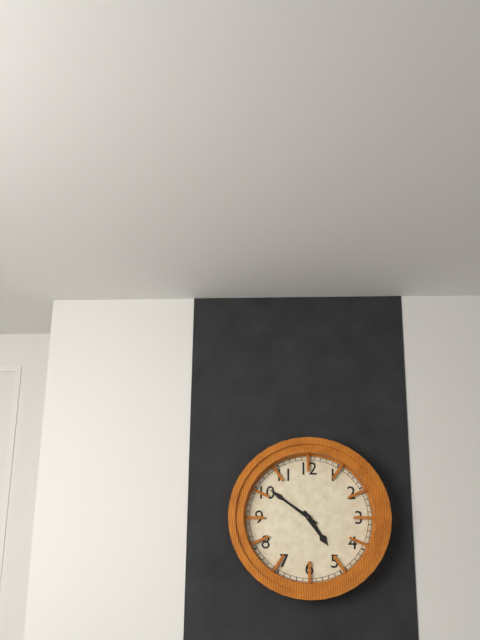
4:51
